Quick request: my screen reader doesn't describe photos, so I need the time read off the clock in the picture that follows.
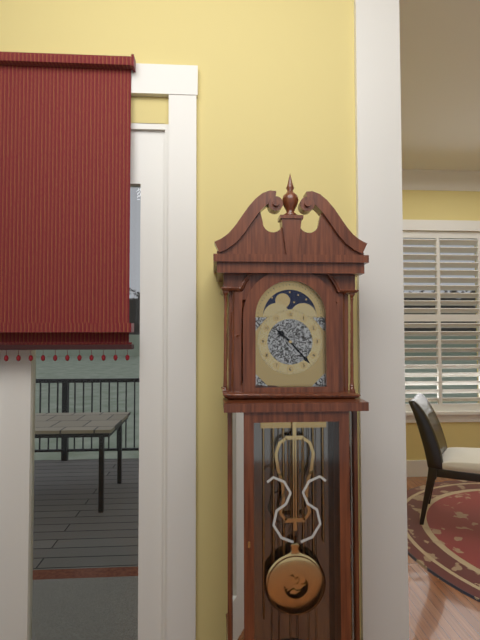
10:23
